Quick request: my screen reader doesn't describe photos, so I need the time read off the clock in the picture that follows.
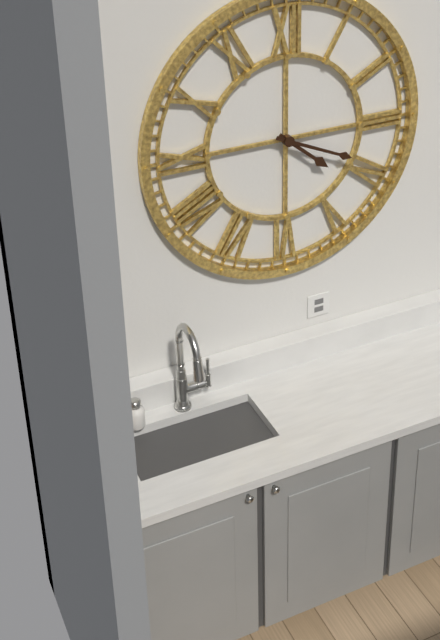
4:19
